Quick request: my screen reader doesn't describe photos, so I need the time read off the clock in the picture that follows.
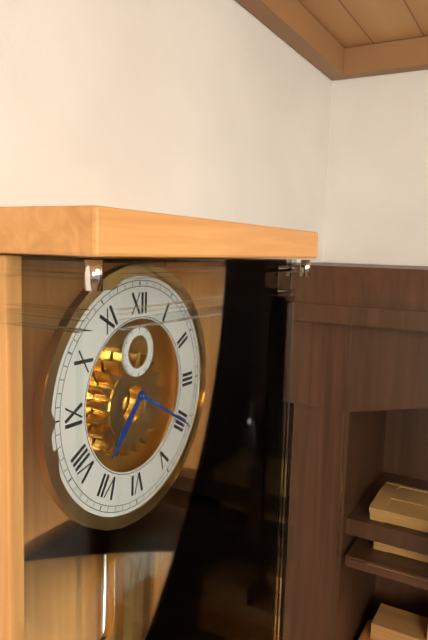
7:20
